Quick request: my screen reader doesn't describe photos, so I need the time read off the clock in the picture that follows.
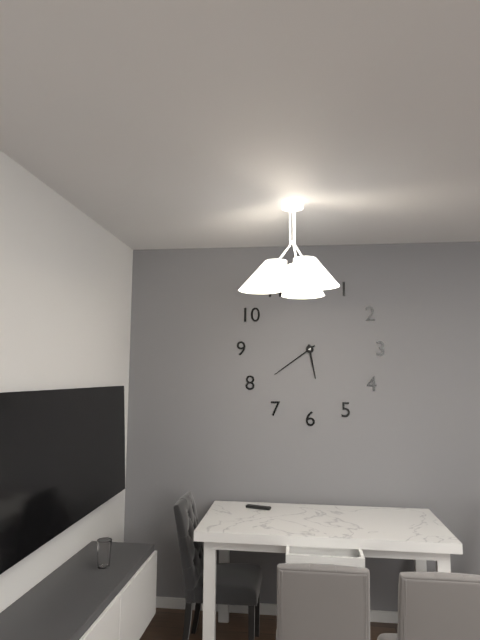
5:39
